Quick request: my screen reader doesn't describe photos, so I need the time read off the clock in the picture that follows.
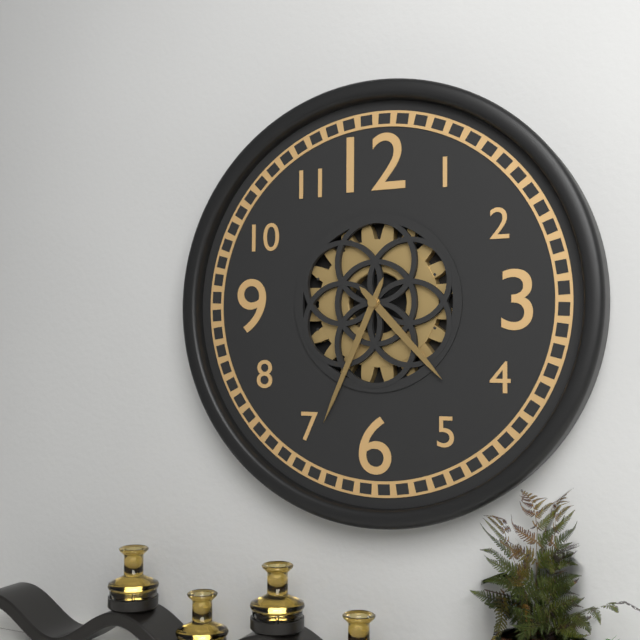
4:34
